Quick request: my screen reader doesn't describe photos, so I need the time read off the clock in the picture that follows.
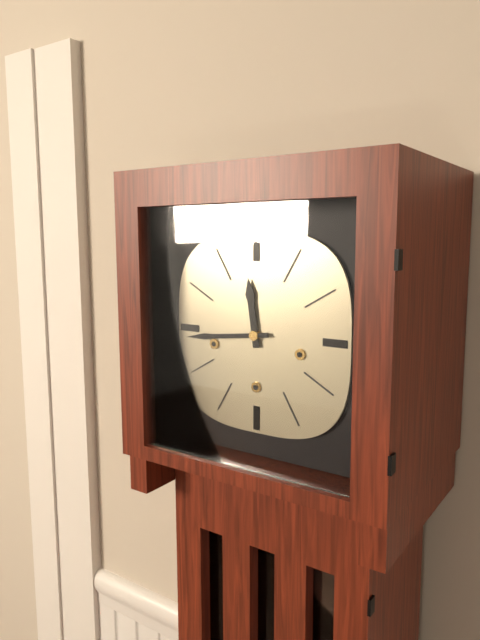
11:44
